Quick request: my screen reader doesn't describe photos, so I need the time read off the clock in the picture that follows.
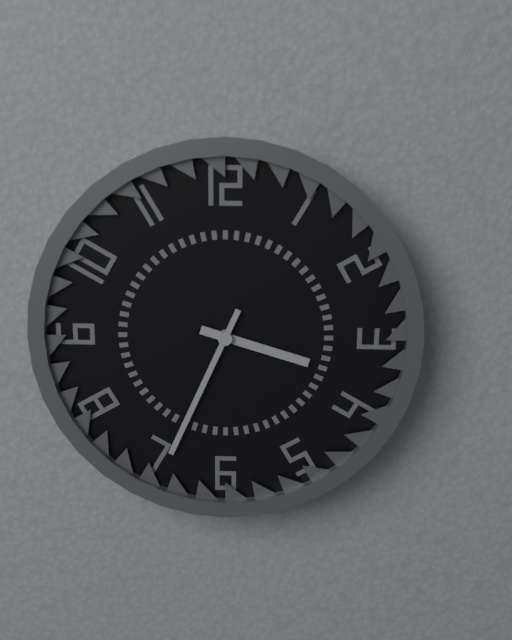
3:34
